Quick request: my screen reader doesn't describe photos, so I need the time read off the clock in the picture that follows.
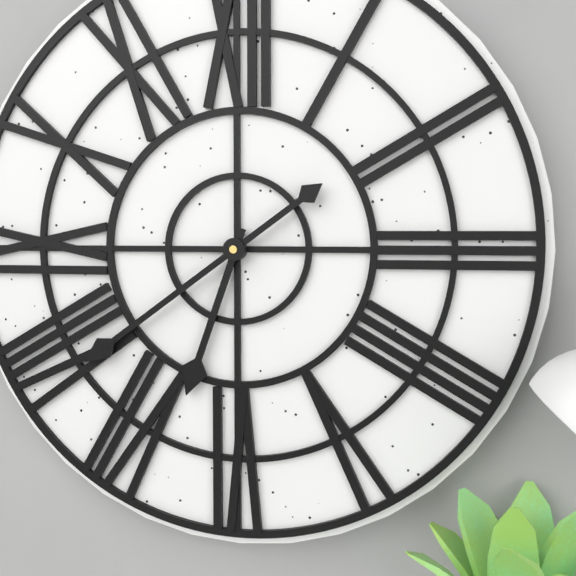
6:39
